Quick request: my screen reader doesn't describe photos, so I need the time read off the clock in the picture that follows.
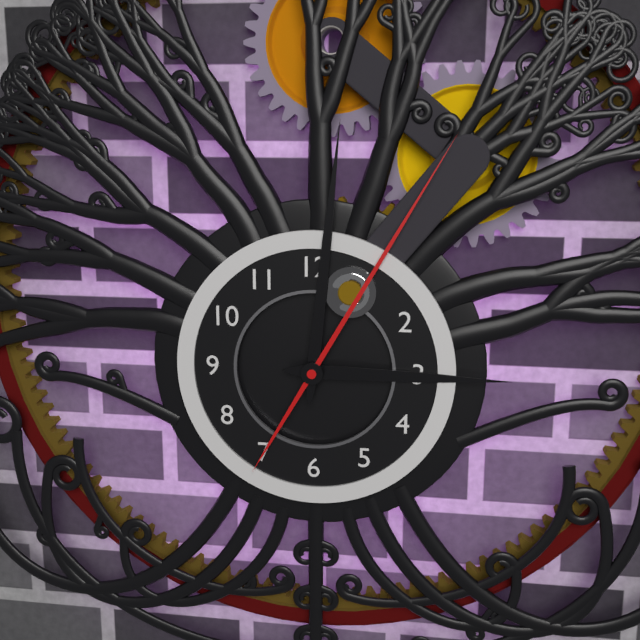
3:01:05
